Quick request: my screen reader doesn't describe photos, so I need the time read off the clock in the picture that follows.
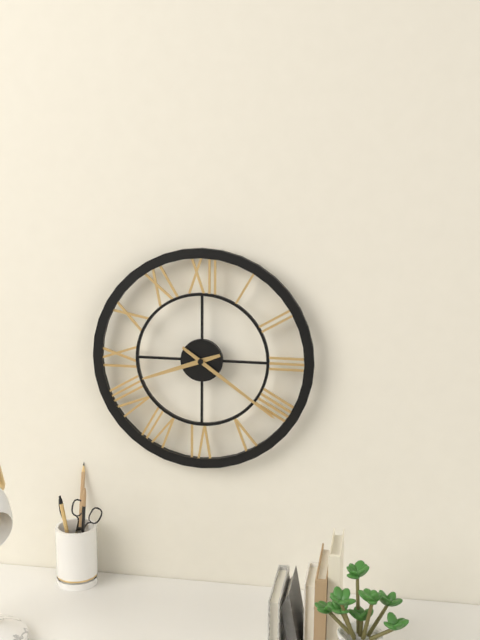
8:21
